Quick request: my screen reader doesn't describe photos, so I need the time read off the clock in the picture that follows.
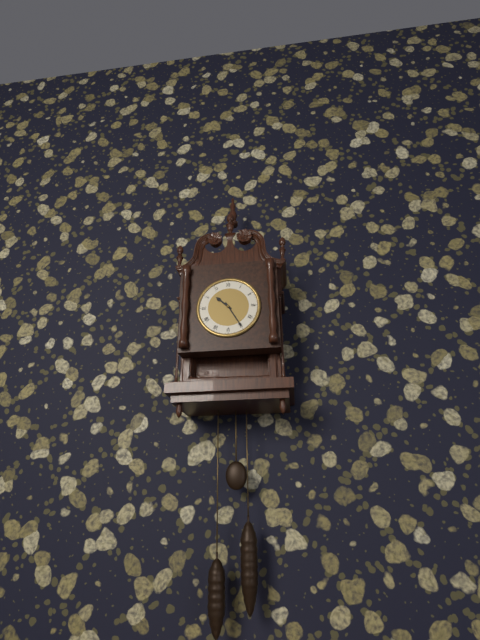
10:25
